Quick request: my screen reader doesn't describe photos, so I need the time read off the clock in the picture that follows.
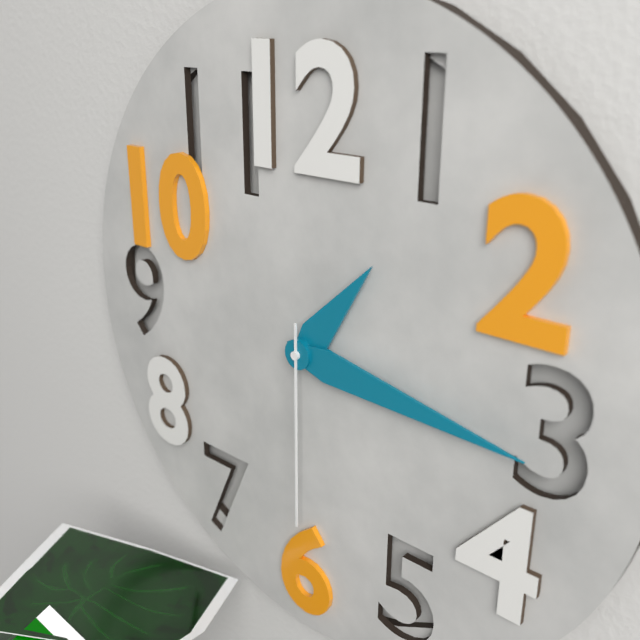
1:16:30
